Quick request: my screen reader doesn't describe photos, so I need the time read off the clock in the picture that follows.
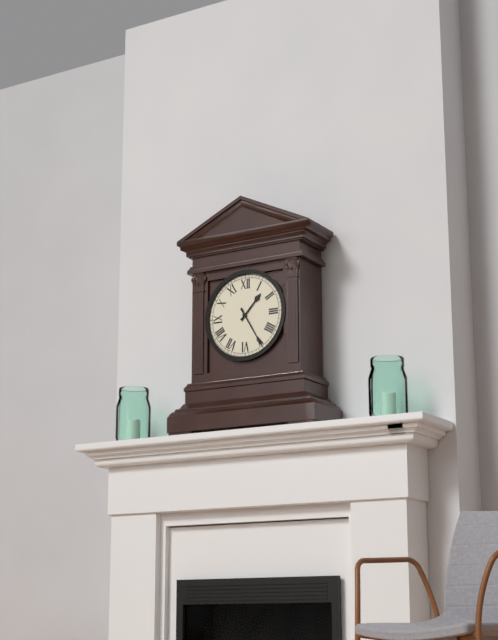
1:25
